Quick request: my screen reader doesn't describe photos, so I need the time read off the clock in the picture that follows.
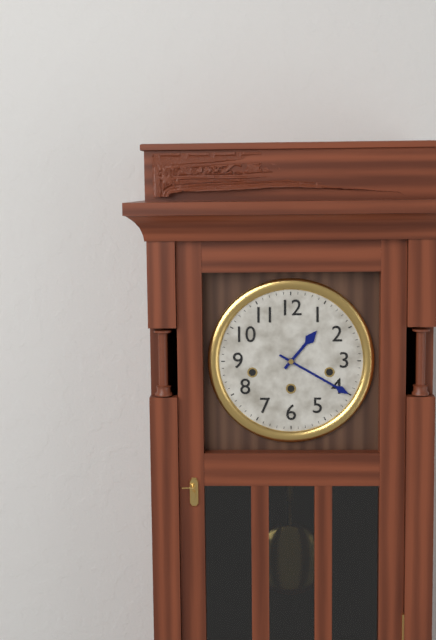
1:20
